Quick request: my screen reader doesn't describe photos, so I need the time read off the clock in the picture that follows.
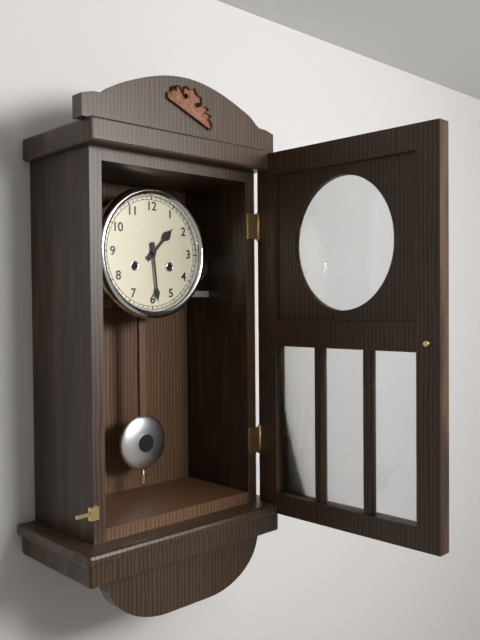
1:29
